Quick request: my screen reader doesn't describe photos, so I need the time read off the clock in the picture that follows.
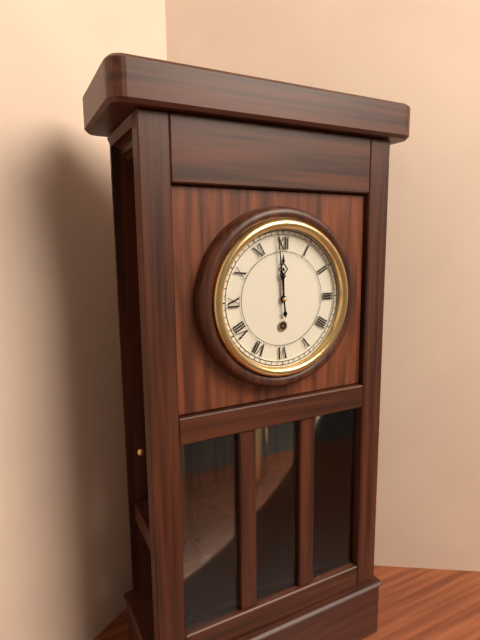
11:59
